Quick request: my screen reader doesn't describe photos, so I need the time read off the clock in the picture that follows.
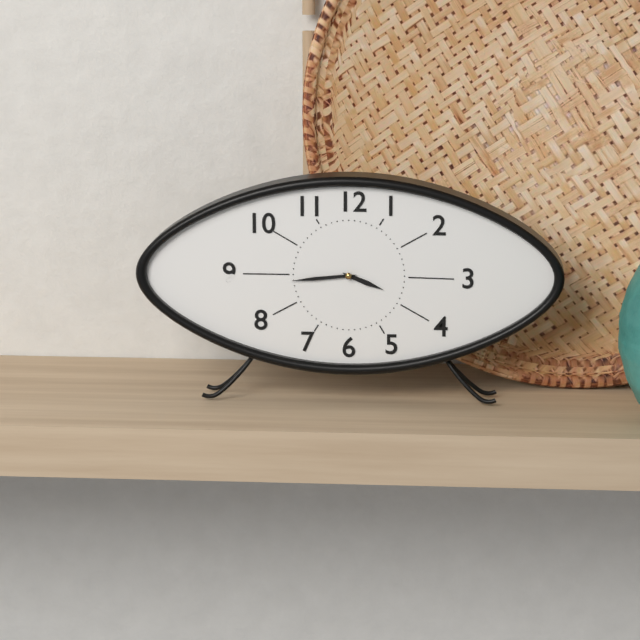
3:44
